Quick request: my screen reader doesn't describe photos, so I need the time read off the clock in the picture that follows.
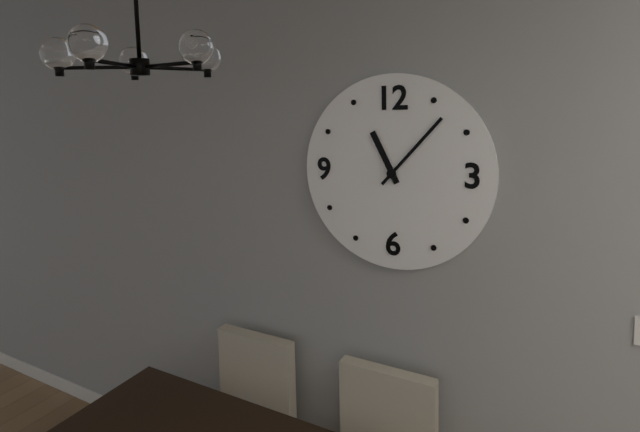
11:07
